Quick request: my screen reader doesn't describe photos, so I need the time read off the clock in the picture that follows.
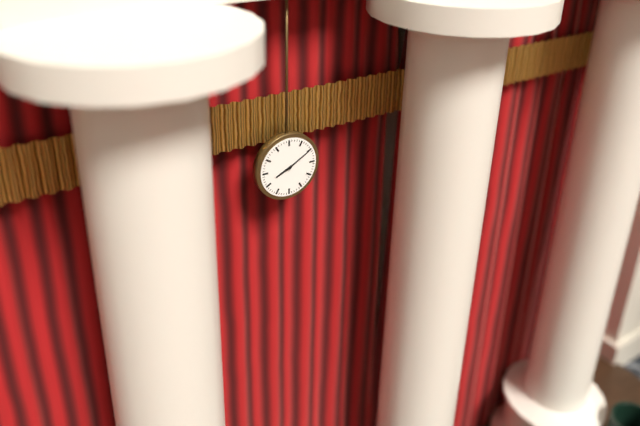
8:10
